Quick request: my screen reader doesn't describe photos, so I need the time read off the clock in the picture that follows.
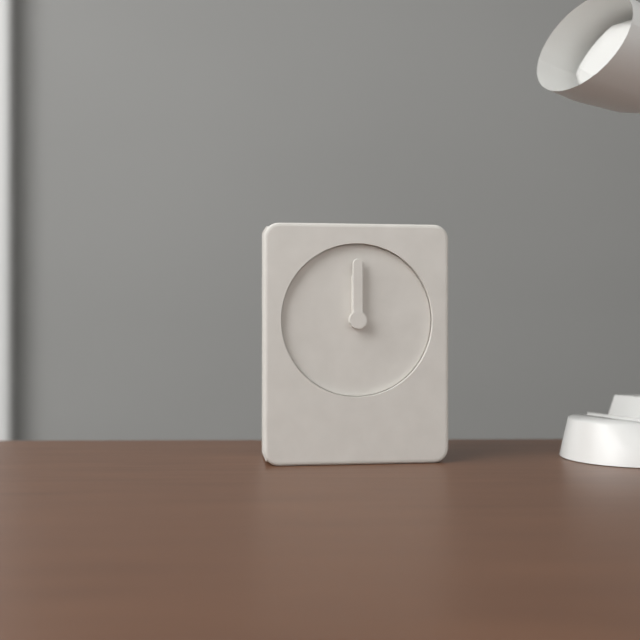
12:00
